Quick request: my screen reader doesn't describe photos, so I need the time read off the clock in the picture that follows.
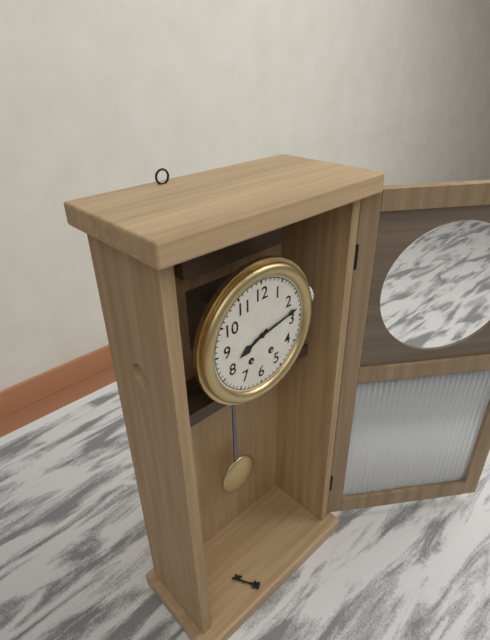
8:13
